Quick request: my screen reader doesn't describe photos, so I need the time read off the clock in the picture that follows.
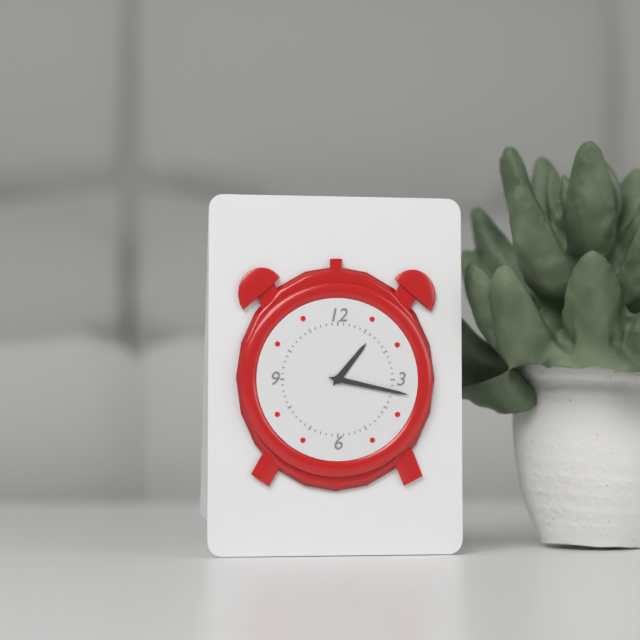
1:17
